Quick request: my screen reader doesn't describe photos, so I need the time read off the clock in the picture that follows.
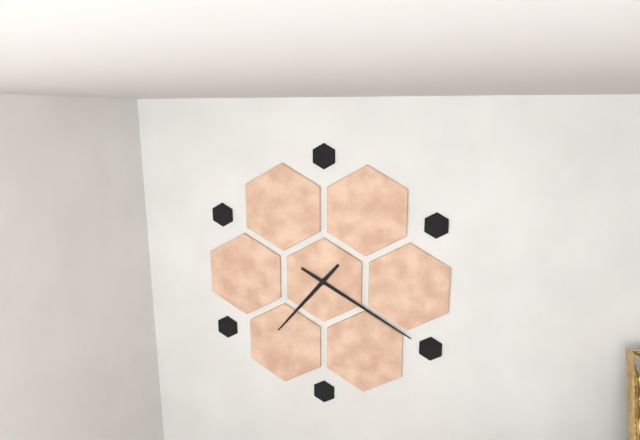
7:20
